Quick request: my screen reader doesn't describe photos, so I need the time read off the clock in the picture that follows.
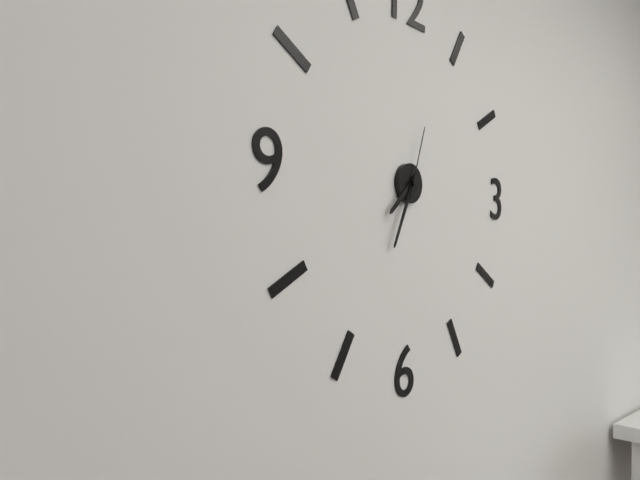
7:34:03
